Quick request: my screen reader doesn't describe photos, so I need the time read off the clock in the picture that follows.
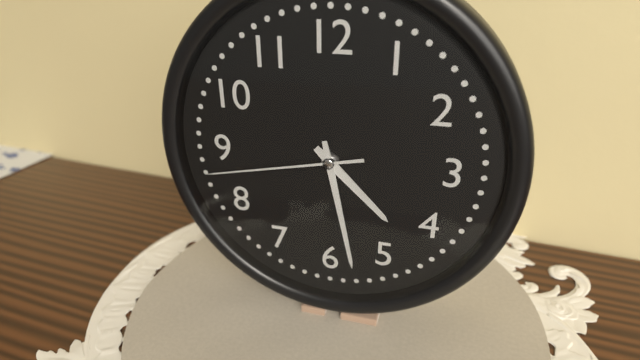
4:28:43
